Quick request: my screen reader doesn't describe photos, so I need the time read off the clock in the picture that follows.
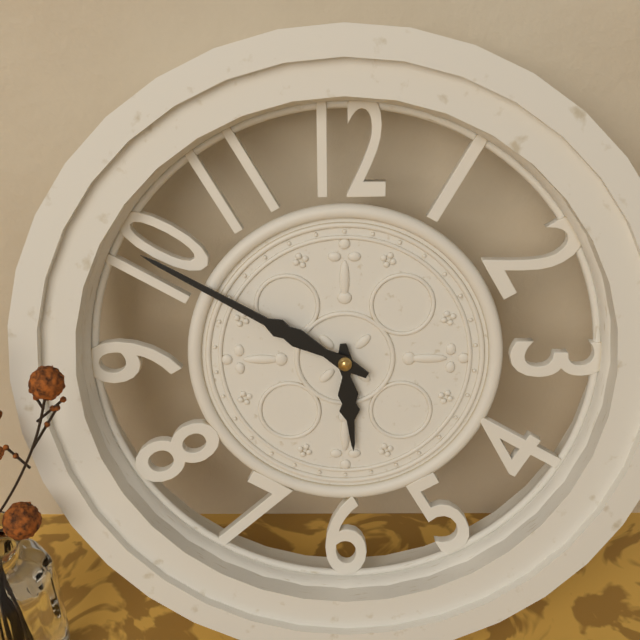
5:50
